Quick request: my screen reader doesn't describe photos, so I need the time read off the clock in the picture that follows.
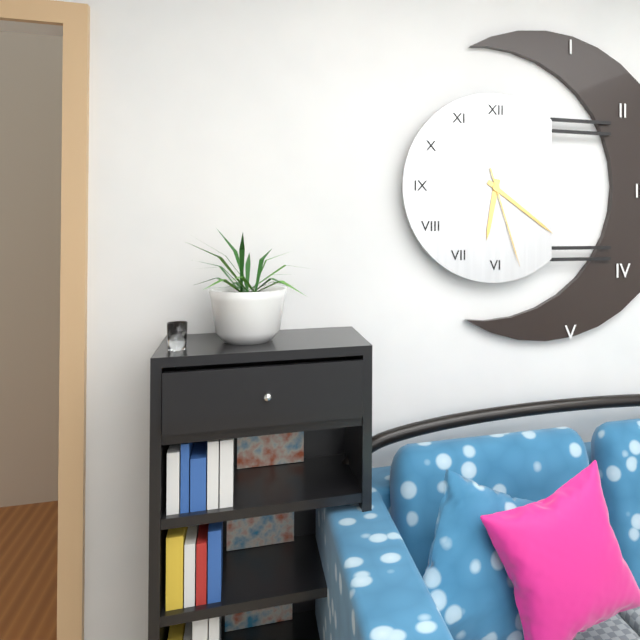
6:21:27
